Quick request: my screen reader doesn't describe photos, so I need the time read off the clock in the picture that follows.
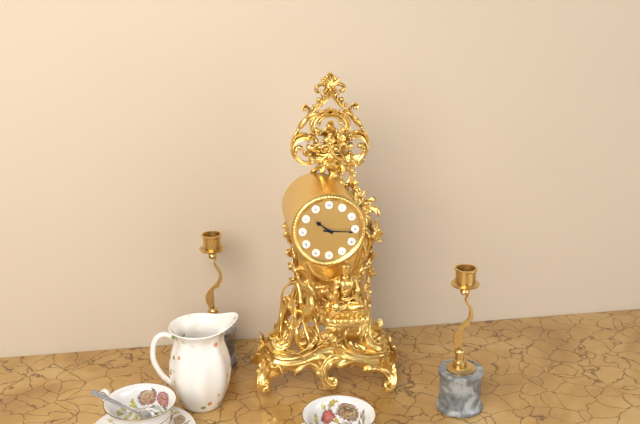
10:16
